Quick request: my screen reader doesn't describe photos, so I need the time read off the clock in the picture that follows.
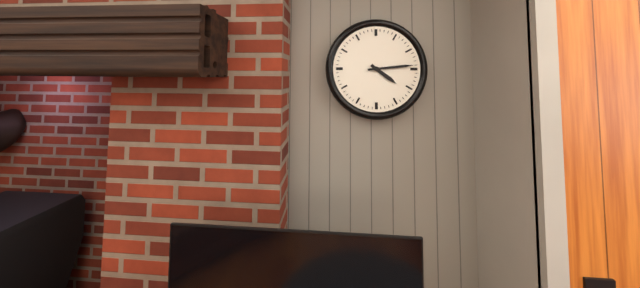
4:14
